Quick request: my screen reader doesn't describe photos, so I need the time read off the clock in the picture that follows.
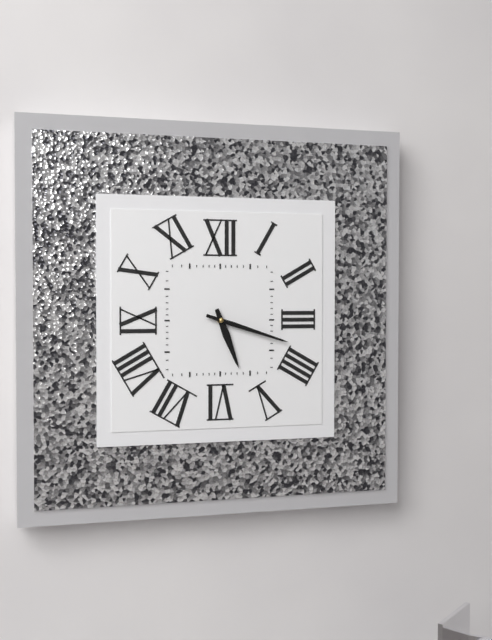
5:18
